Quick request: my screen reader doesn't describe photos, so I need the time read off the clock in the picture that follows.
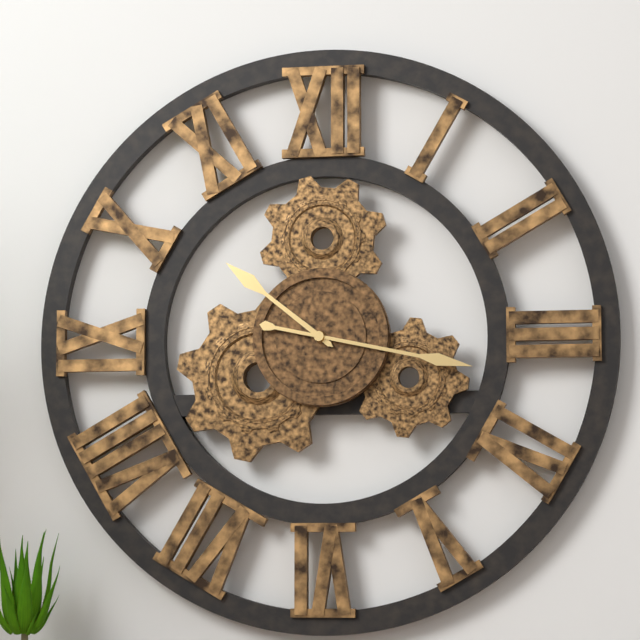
10:17
